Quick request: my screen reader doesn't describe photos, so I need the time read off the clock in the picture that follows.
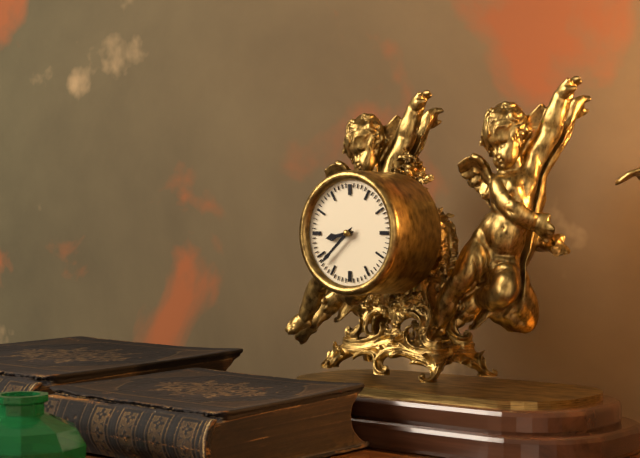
8:38
